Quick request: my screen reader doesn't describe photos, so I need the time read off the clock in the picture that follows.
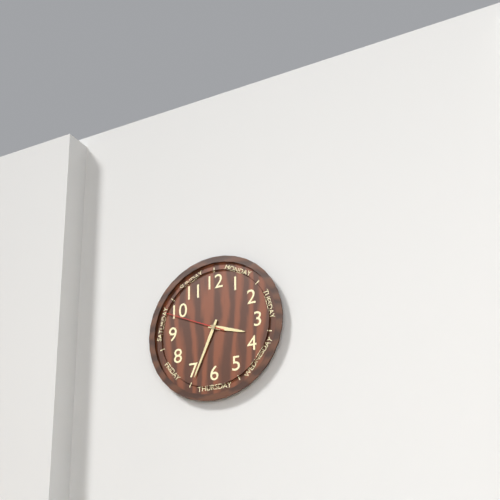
3:34:49
